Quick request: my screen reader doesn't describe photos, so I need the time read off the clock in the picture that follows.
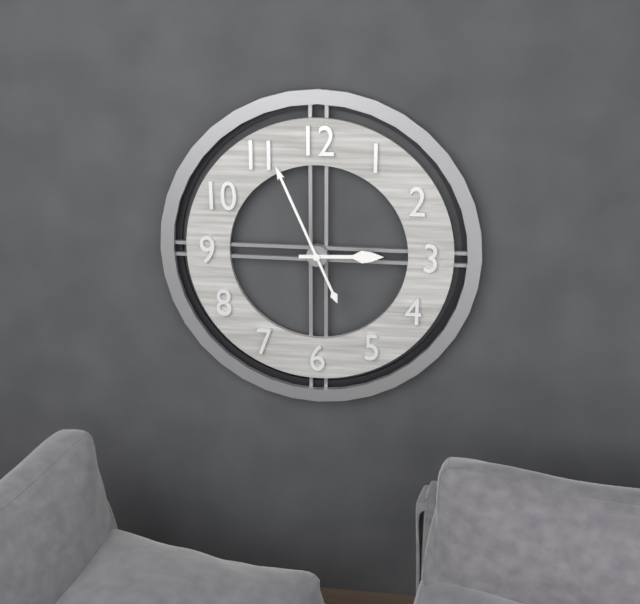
2:56
